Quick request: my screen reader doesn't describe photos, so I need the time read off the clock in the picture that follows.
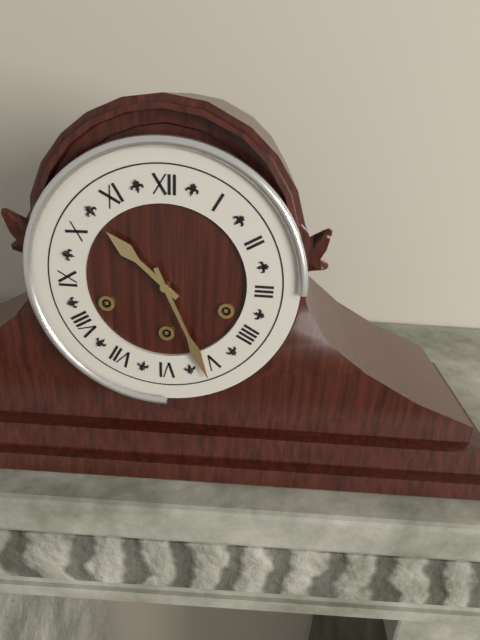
10:26
